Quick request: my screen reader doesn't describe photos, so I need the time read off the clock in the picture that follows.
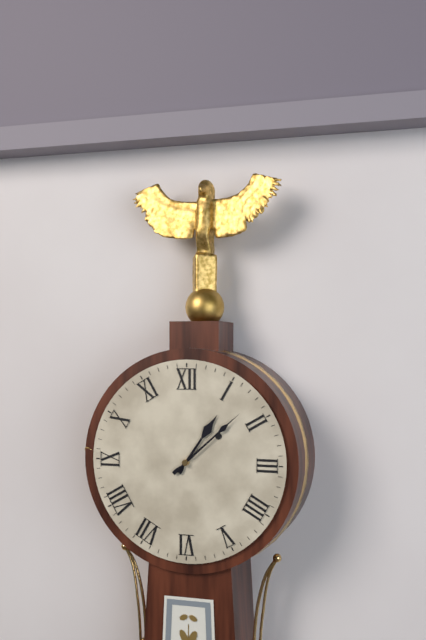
1:08
